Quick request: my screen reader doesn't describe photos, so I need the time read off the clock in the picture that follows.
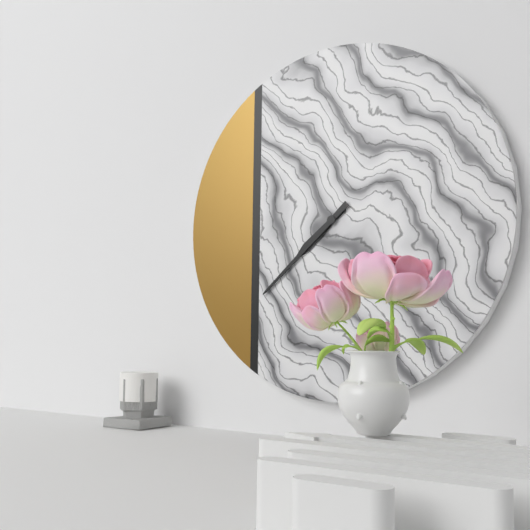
7:38
